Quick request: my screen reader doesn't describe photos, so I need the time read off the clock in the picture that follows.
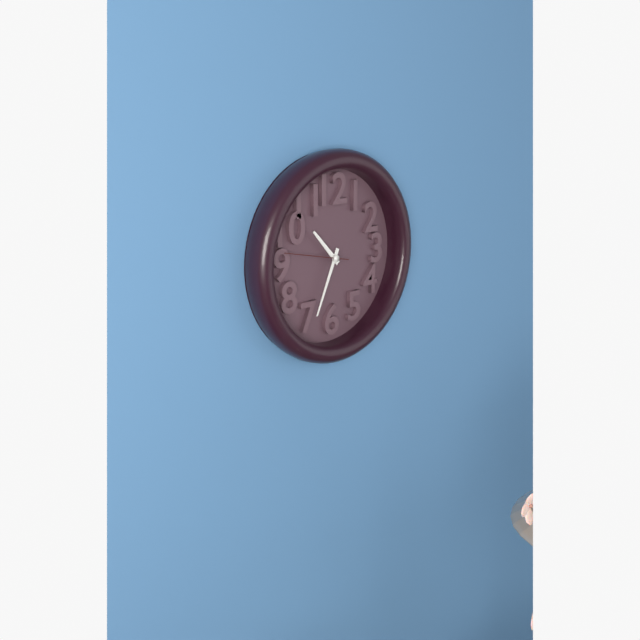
10:34:47
